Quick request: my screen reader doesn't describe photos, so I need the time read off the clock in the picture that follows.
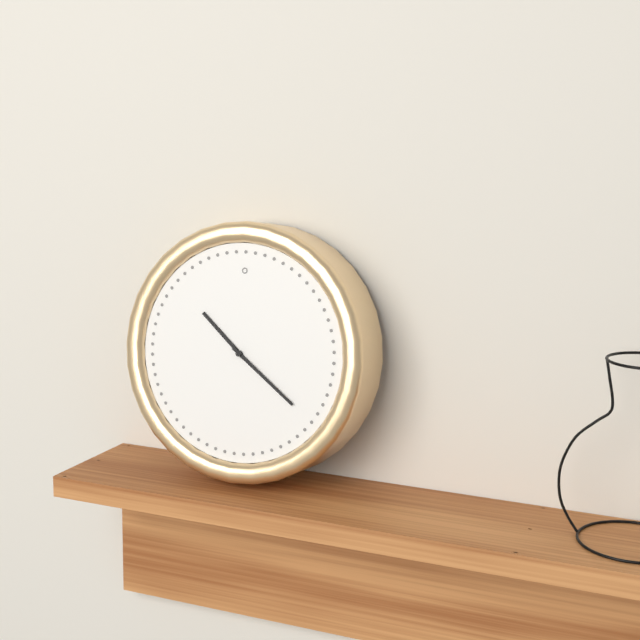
10:21
